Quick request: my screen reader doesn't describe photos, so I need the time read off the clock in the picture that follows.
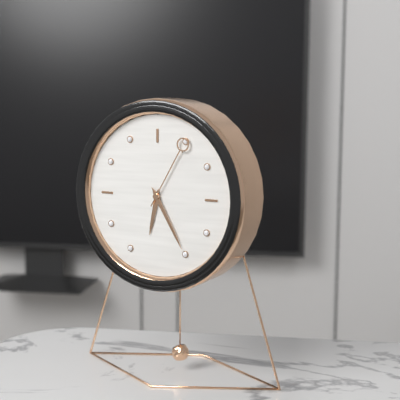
6:25:05
